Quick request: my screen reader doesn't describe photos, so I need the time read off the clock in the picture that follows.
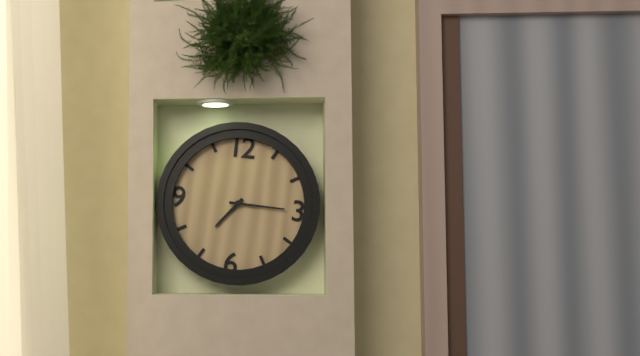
7:15
